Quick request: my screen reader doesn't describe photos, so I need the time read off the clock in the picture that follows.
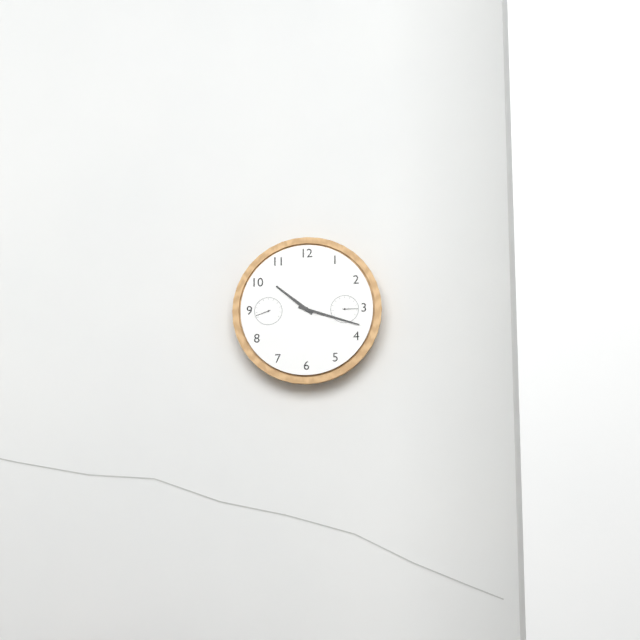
10:18
